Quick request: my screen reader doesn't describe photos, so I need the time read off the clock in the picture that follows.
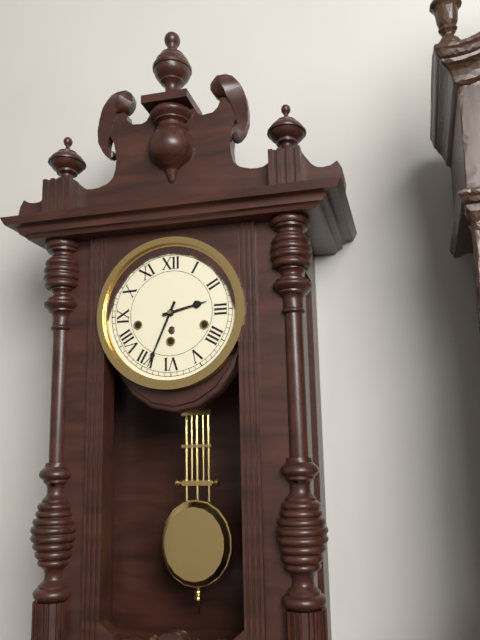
2:34
